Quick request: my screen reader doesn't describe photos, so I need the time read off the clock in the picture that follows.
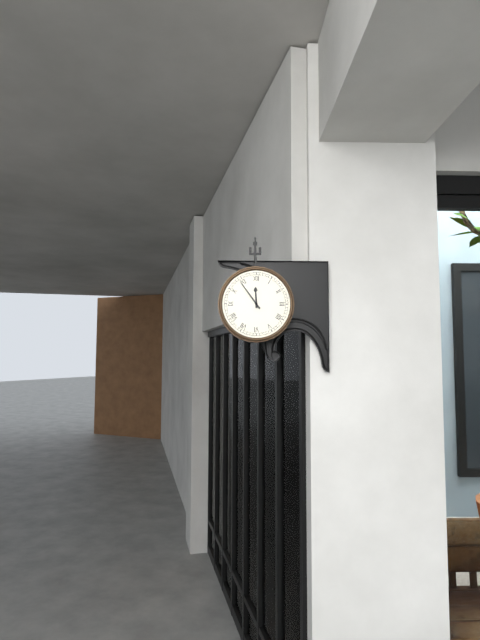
11:54
